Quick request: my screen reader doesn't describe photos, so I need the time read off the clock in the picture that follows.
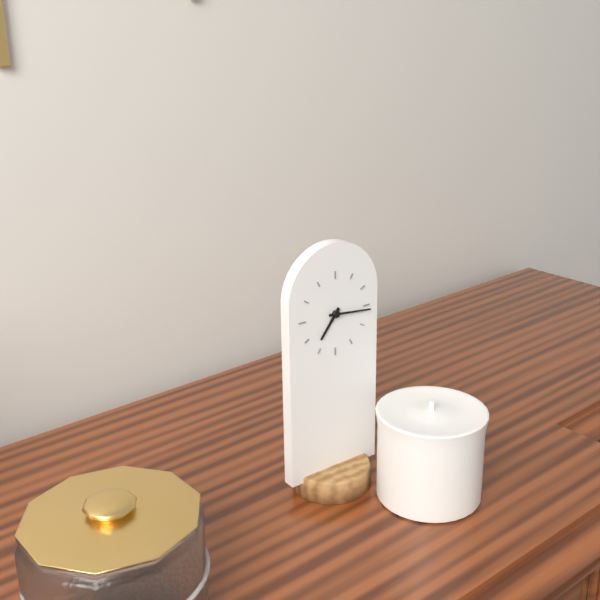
7:16
